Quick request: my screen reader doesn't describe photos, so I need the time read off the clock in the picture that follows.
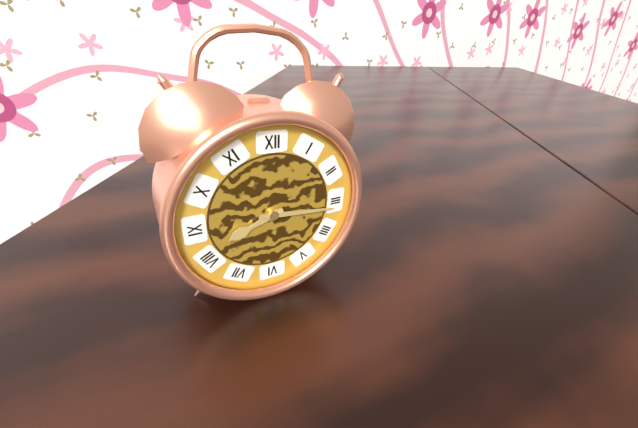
8:16
